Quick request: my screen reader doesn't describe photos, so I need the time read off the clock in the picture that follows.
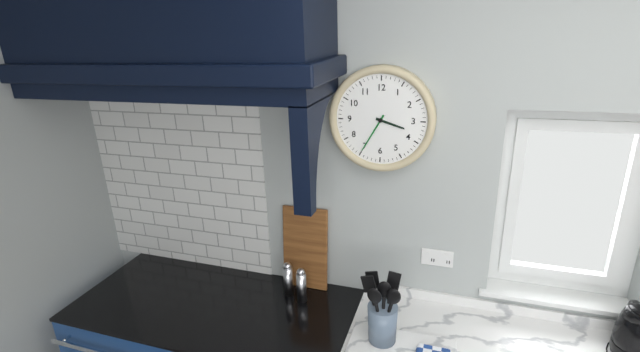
3:35
